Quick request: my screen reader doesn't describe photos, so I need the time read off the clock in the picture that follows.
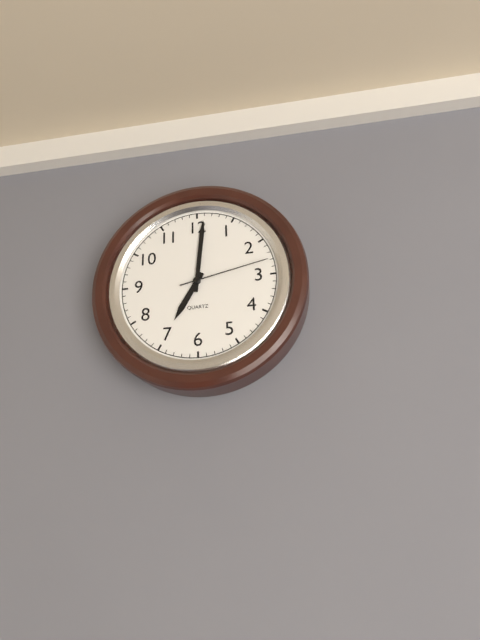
7:01:13
